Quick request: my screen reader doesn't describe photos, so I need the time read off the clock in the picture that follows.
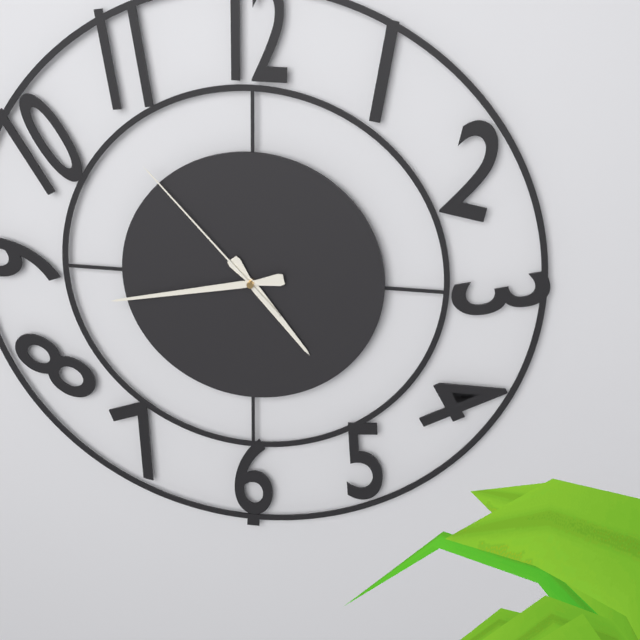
4:43:53
